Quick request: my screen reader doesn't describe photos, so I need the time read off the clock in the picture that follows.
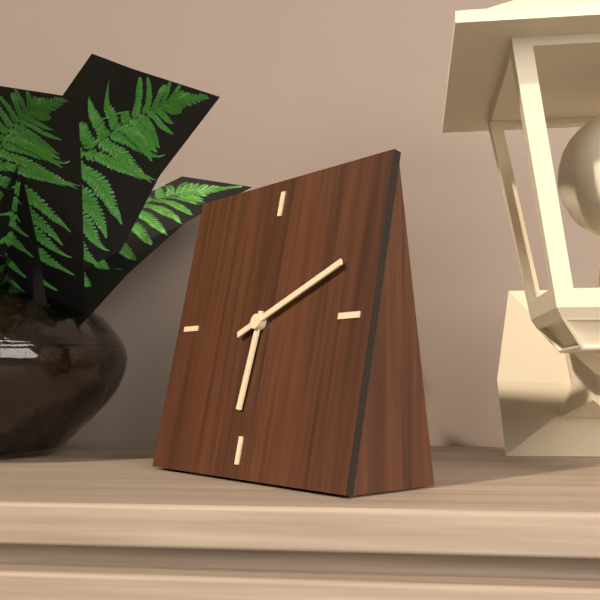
6:11
